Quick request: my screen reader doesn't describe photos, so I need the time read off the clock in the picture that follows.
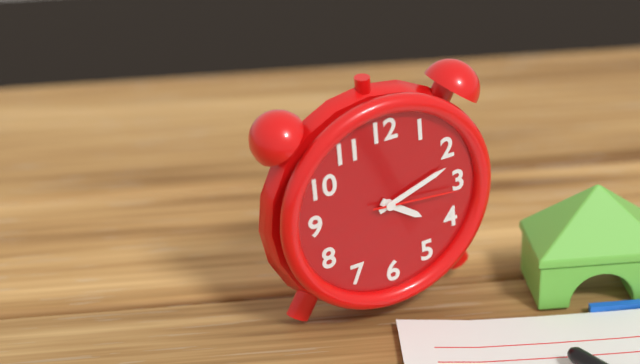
4:12:16
